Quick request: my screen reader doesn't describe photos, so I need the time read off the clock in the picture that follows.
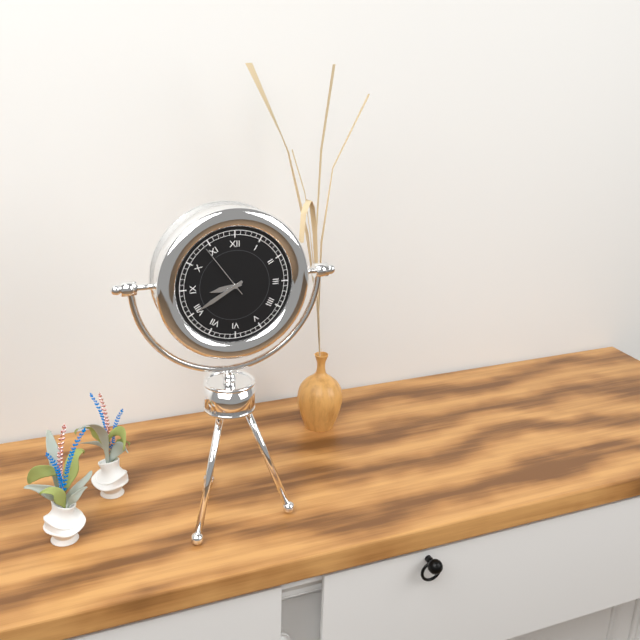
8:40:54
